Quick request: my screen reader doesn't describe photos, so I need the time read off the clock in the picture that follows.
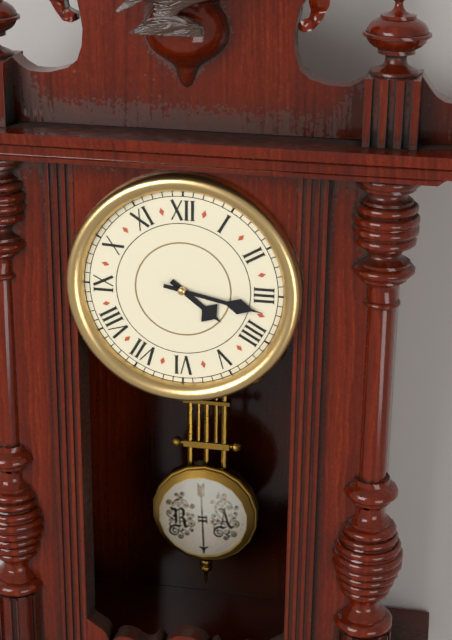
4:17
